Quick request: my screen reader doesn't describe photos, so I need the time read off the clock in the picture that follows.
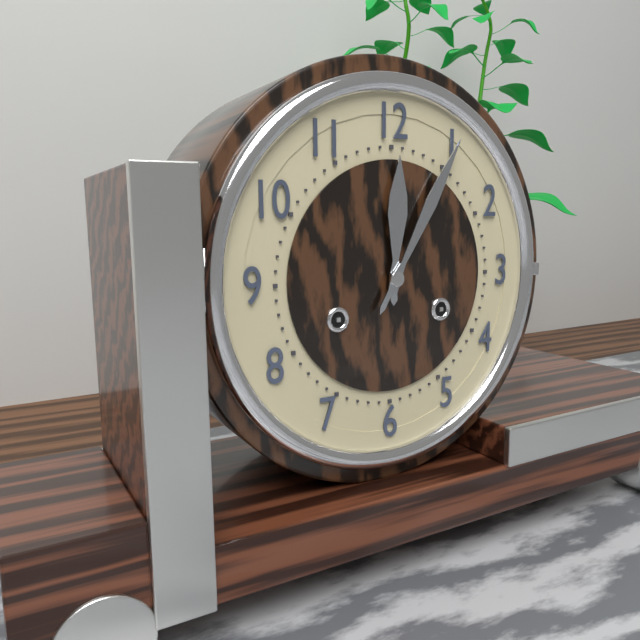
12:05
